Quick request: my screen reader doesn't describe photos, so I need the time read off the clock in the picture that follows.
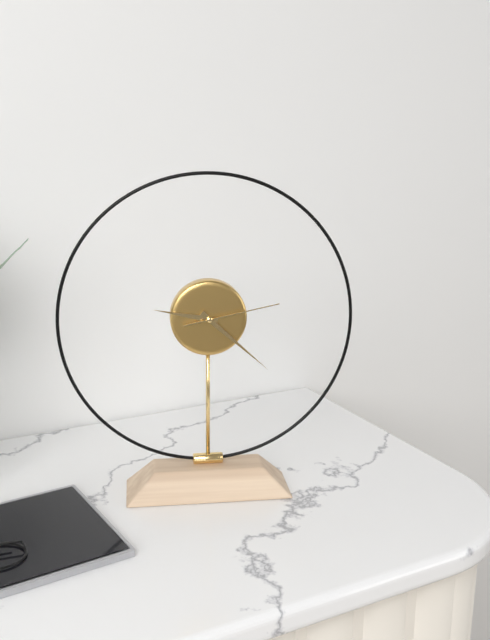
9:22:13
